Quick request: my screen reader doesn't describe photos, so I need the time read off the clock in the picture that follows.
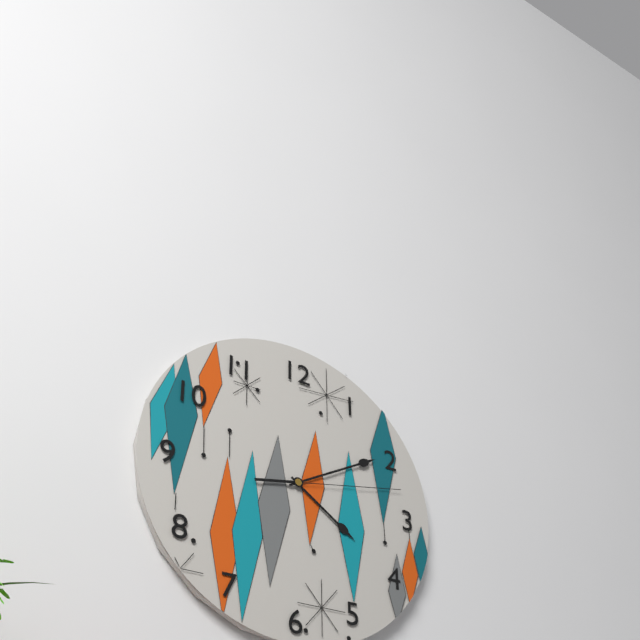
4:10:13
